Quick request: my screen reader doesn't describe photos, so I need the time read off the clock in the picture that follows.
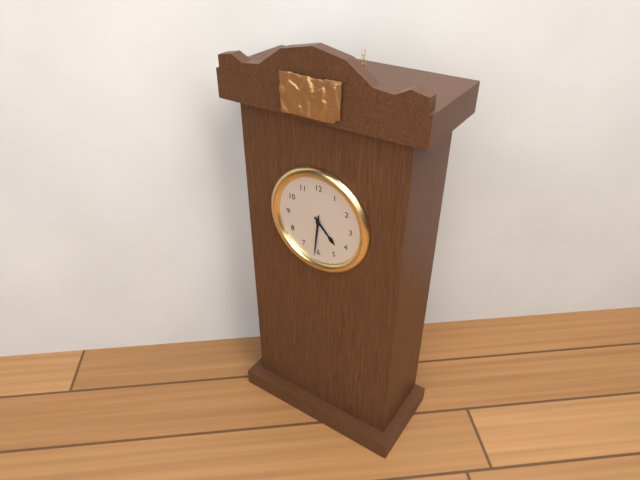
4:31
